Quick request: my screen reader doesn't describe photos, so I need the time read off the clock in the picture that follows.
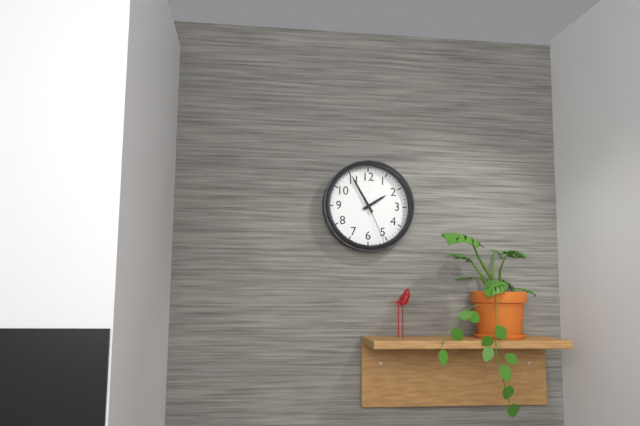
1:55
